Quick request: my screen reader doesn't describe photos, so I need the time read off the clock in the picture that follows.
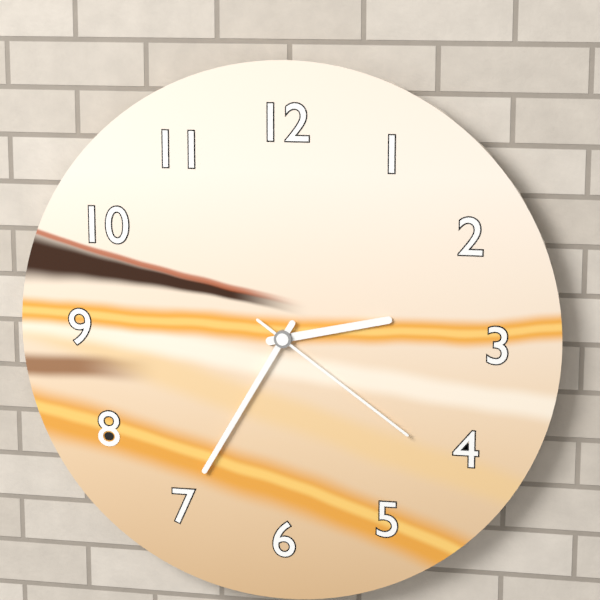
2:35:21
